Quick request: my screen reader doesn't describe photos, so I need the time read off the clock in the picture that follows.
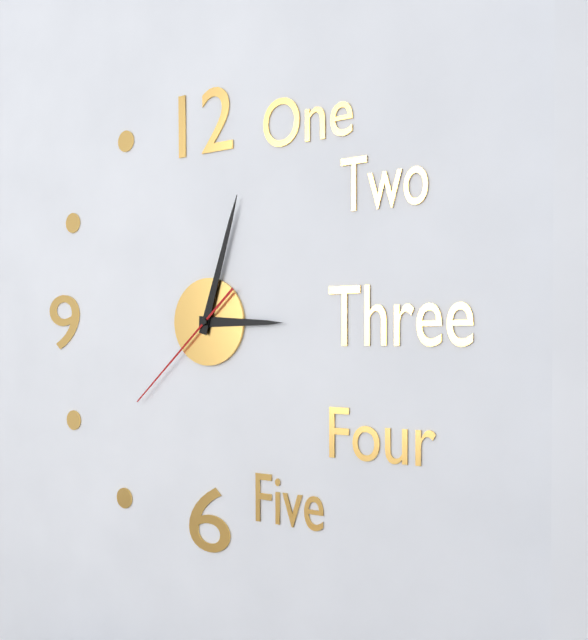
3:03:38
